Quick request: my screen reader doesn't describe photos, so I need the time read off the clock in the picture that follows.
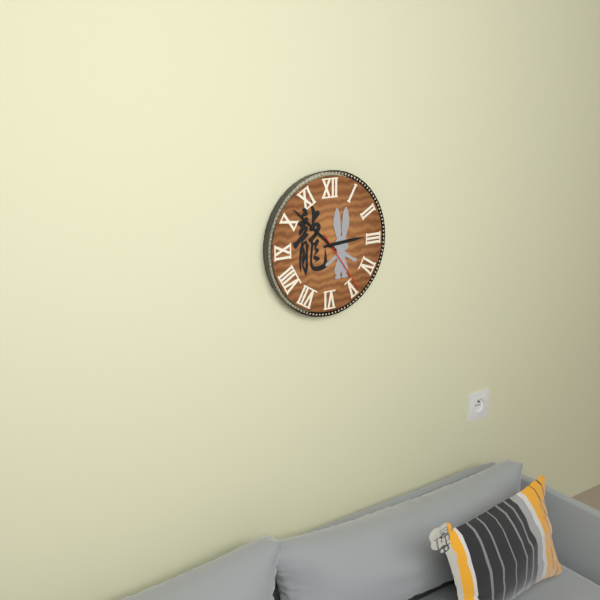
2:52:24
